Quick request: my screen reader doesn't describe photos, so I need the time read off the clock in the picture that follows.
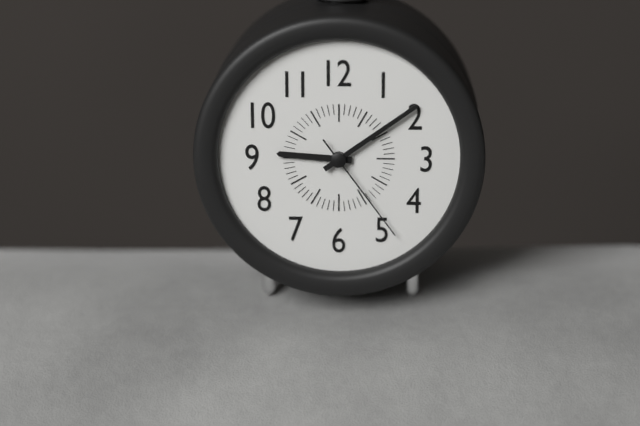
9:09:24
